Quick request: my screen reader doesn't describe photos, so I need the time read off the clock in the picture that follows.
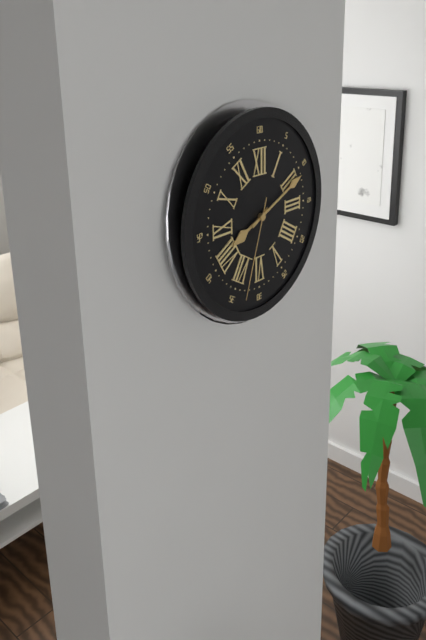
8:11:33
